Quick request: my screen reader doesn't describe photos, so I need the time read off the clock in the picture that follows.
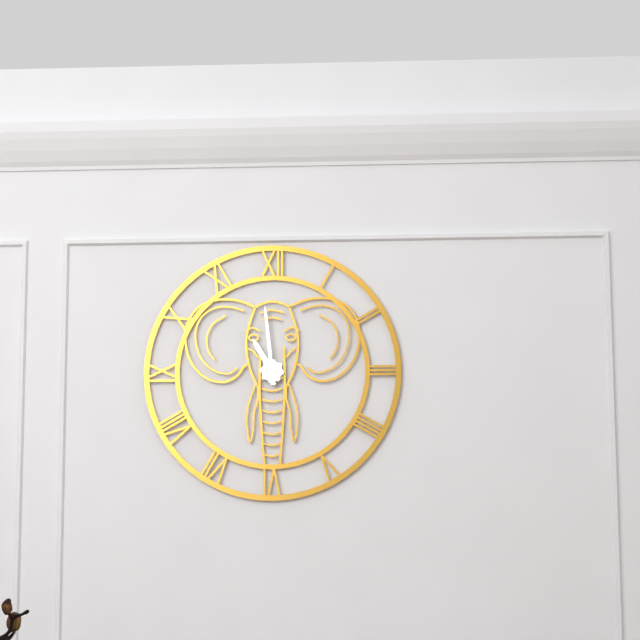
10:59
